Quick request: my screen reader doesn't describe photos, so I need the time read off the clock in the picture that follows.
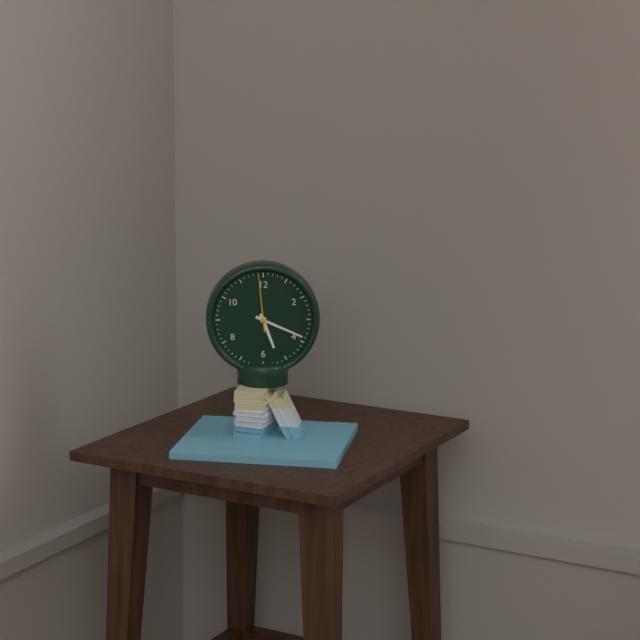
5:19:59
